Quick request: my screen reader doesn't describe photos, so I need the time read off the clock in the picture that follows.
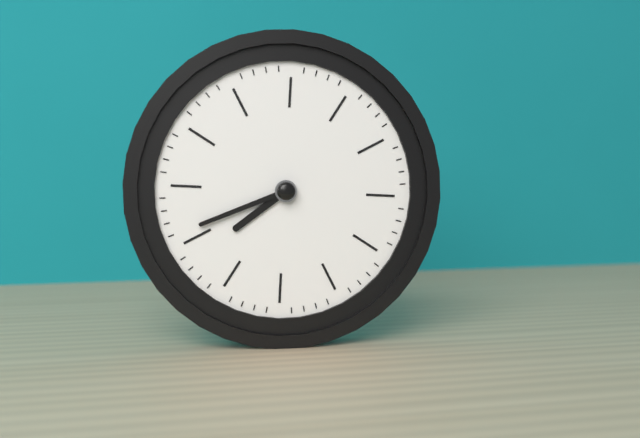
7:41
